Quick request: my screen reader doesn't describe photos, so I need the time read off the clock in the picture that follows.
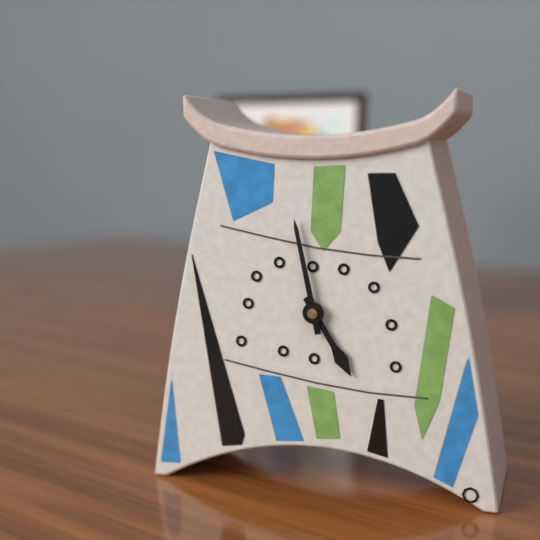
4:58
